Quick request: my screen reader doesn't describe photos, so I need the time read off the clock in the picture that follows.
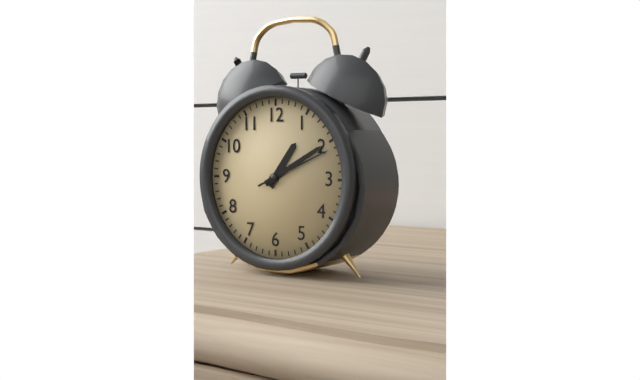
1:10:11
